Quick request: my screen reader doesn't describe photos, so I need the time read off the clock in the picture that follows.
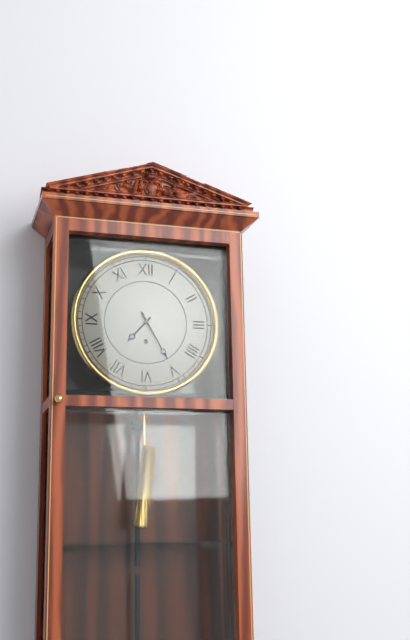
7:25:25
